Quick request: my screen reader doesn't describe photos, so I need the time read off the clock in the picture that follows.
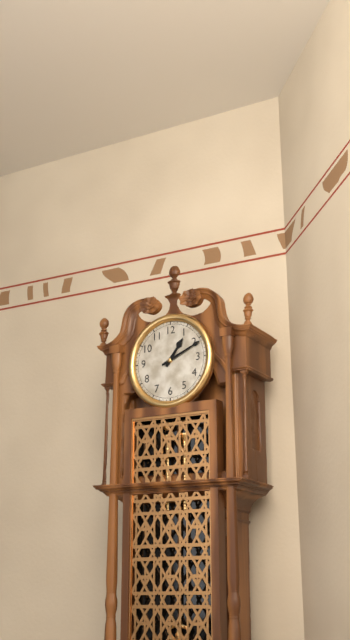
1:11
